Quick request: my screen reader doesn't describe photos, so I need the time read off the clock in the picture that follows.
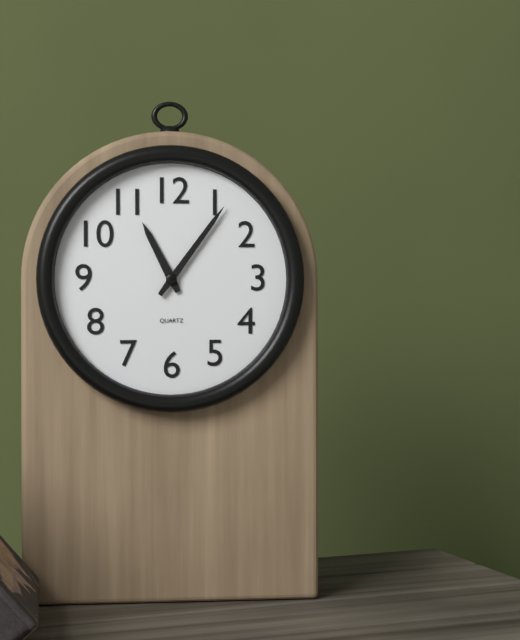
11:06
